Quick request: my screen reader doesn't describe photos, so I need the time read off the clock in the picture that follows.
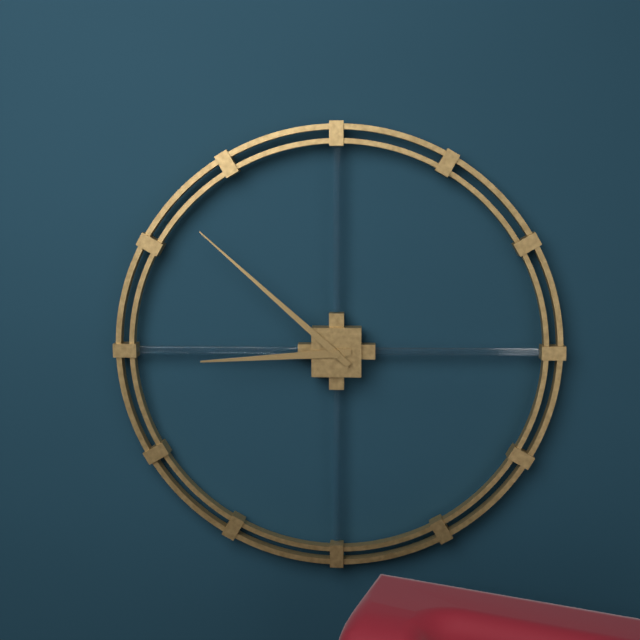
8:52
